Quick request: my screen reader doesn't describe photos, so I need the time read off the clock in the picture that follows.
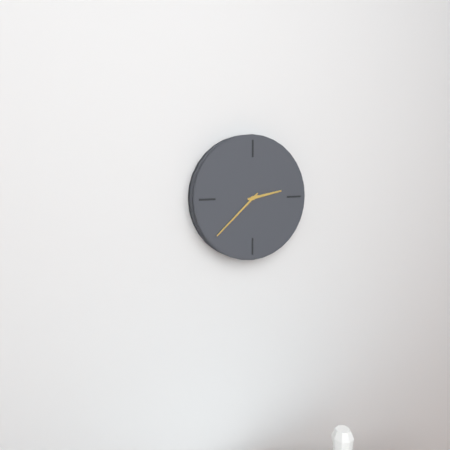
2:38
